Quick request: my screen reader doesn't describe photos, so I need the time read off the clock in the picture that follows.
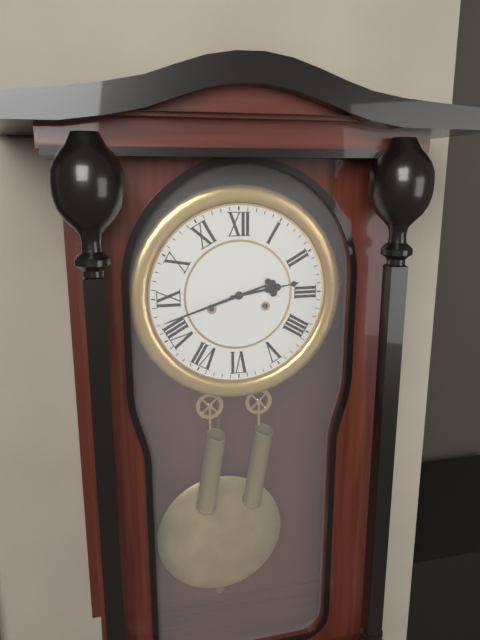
2:42
